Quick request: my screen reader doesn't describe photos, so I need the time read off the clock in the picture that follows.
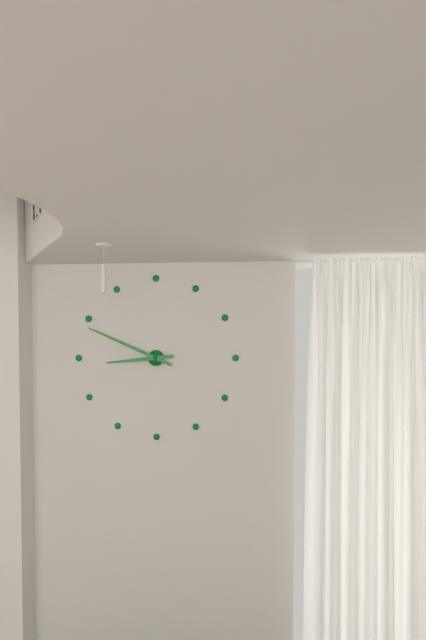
8:49
